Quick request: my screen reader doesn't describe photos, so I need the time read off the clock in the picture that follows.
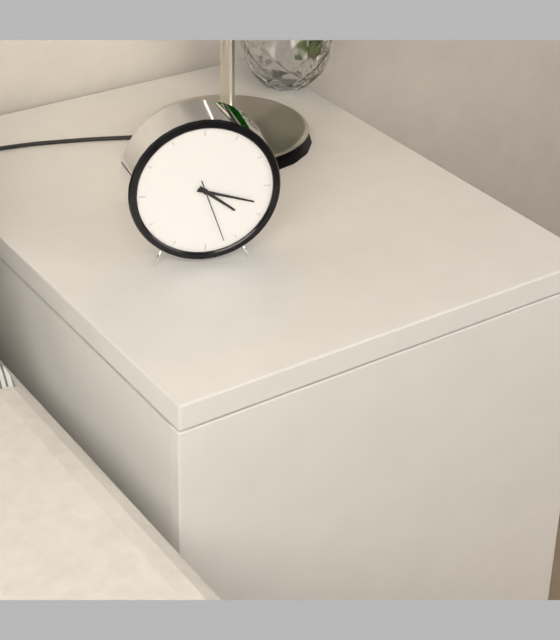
4:18:27
